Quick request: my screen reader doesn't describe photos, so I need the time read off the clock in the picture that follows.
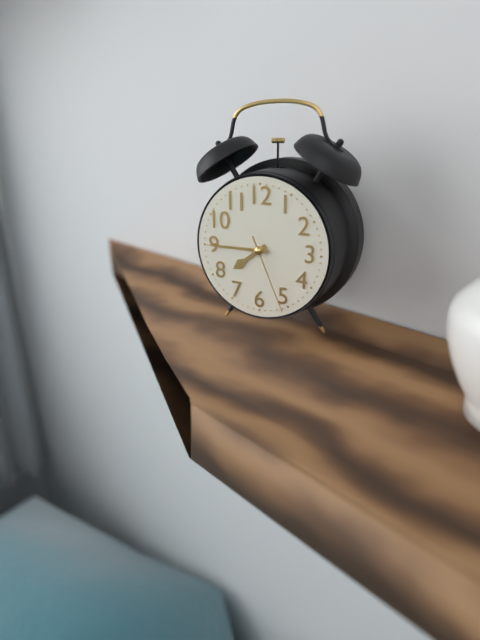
7:45:26
